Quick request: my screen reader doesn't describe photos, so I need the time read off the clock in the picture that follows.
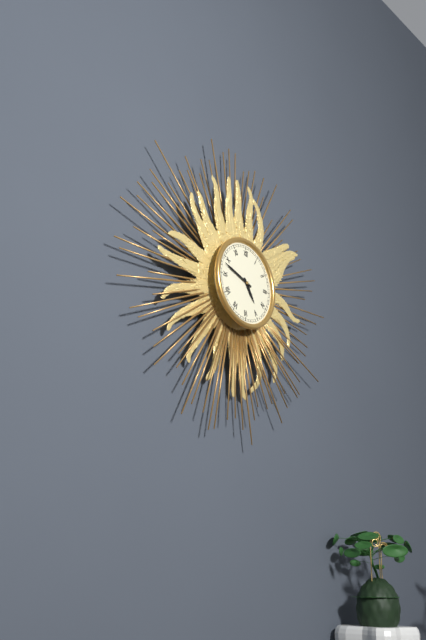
4:48
